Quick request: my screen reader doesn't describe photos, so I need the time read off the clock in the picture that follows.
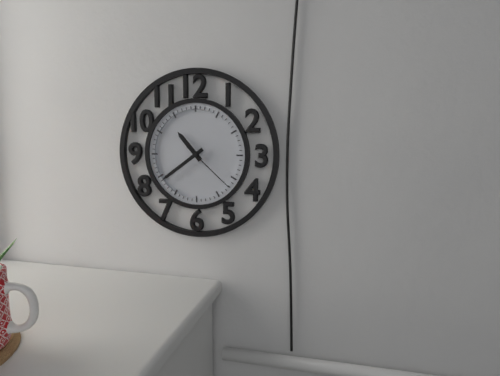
10:39:22
